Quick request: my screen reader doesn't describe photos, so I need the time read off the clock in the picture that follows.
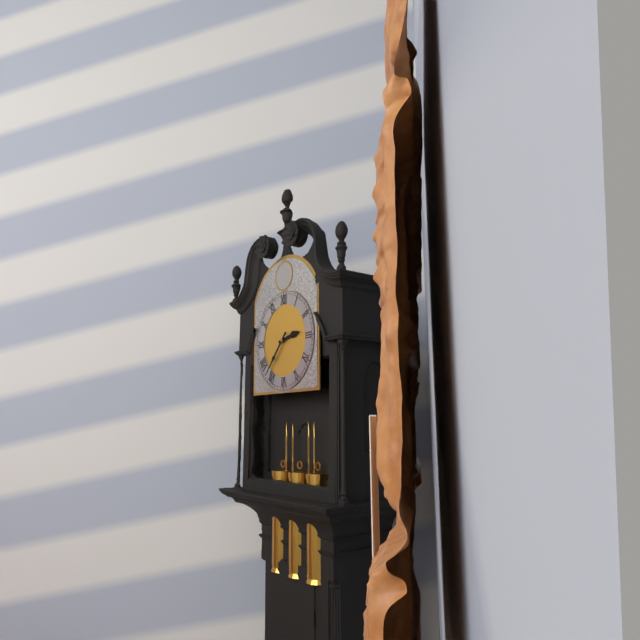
2:37
